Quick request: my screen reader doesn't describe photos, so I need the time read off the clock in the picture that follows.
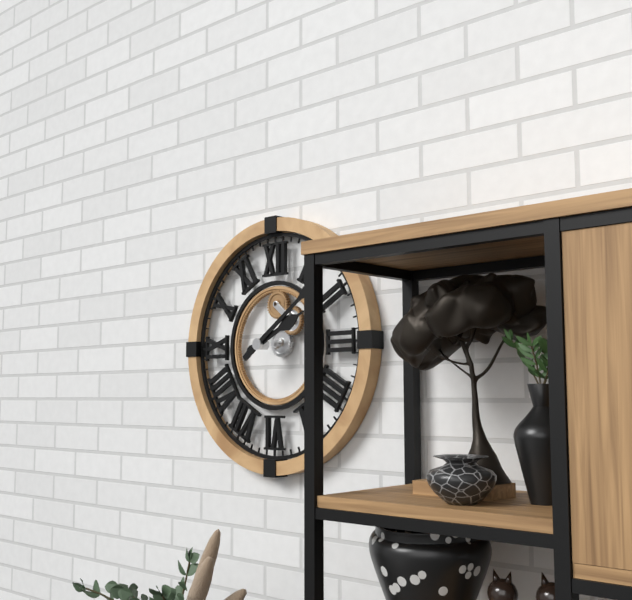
2:09
